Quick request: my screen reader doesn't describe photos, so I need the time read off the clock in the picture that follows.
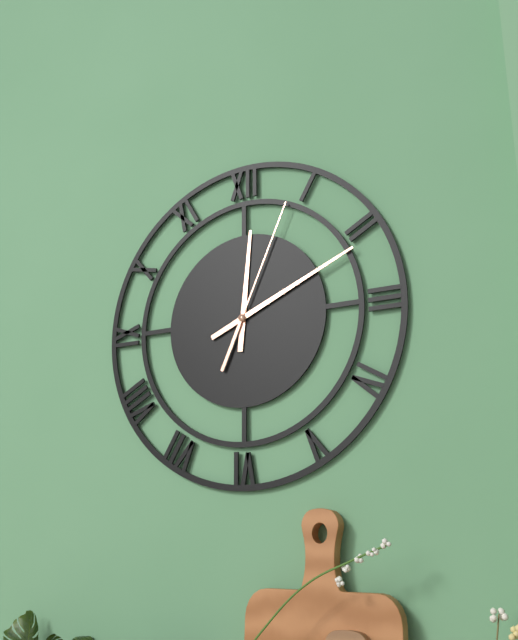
12:11:04
